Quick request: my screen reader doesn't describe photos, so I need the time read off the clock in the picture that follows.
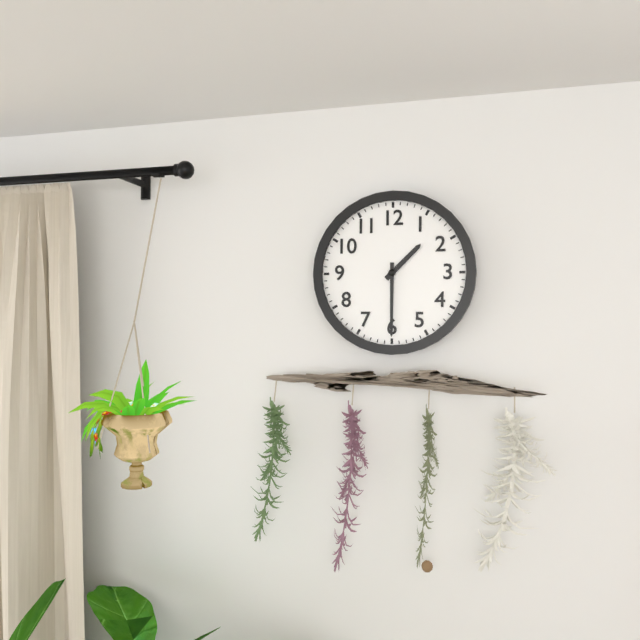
1:30
